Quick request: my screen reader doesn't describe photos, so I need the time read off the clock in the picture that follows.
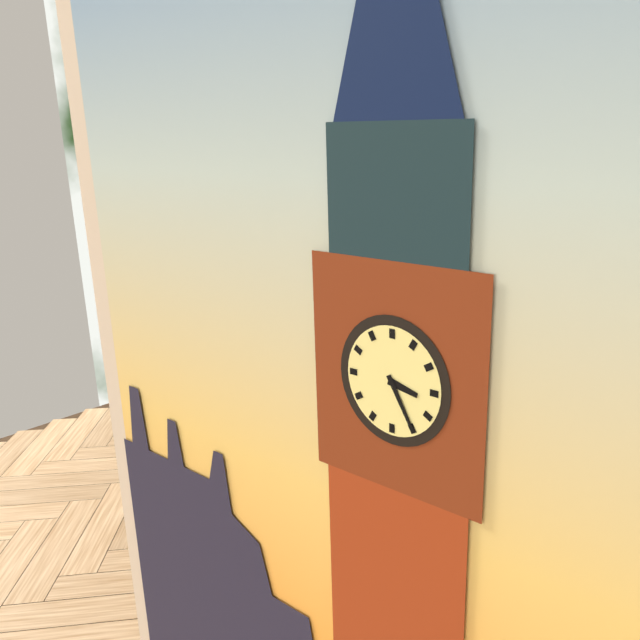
3:25
